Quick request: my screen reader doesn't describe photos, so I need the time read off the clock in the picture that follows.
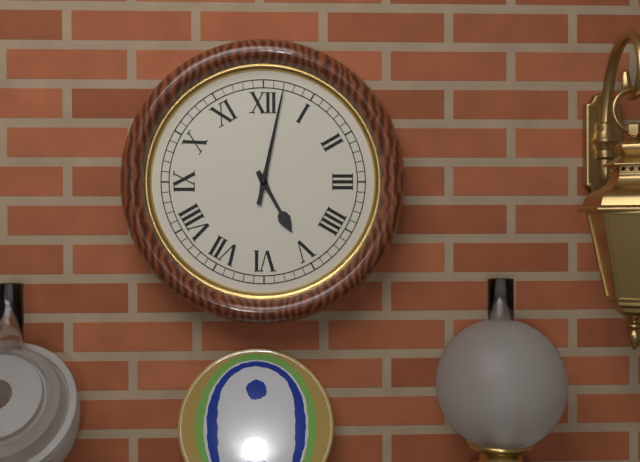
5:02
